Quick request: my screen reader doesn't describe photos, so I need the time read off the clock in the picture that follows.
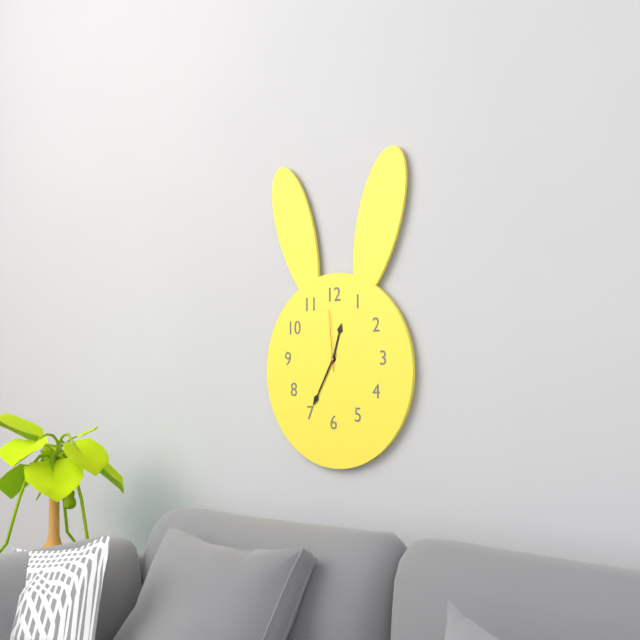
12:35:59
